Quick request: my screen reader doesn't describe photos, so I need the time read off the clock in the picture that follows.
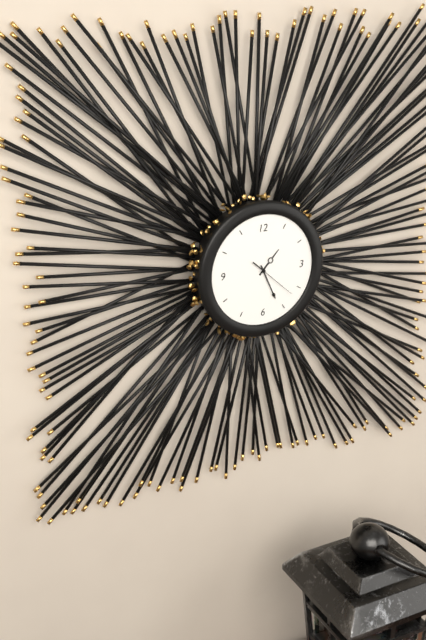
1:26
